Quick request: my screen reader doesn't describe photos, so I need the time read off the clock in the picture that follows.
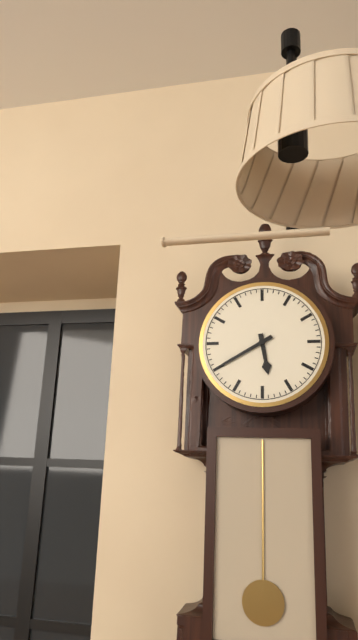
5:40
